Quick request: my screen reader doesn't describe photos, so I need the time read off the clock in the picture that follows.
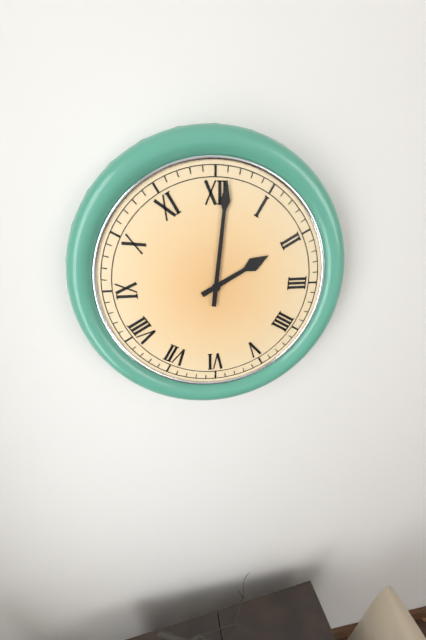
2:01
